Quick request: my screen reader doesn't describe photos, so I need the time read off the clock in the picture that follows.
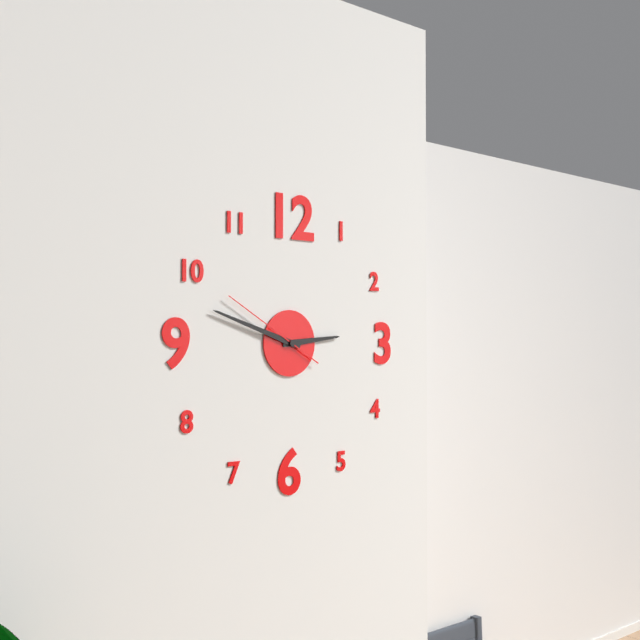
2:48:50
